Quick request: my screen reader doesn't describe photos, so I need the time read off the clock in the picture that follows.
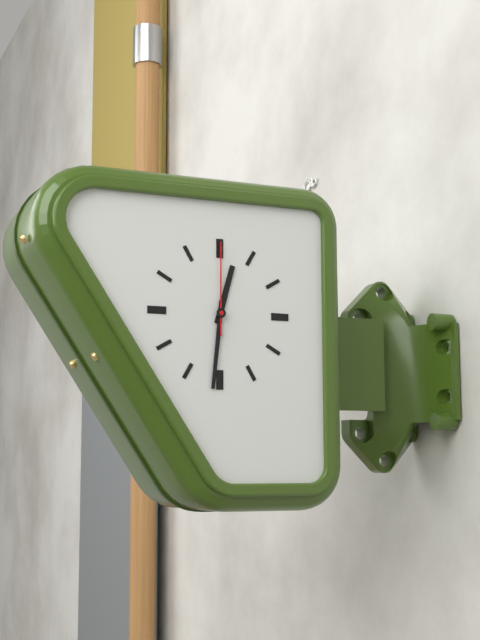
12:31:00
